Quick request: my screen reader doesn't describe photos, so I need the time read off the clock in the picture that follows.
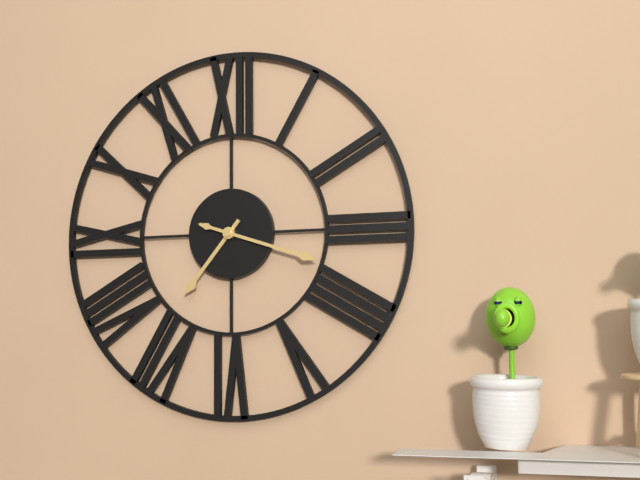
7:18
